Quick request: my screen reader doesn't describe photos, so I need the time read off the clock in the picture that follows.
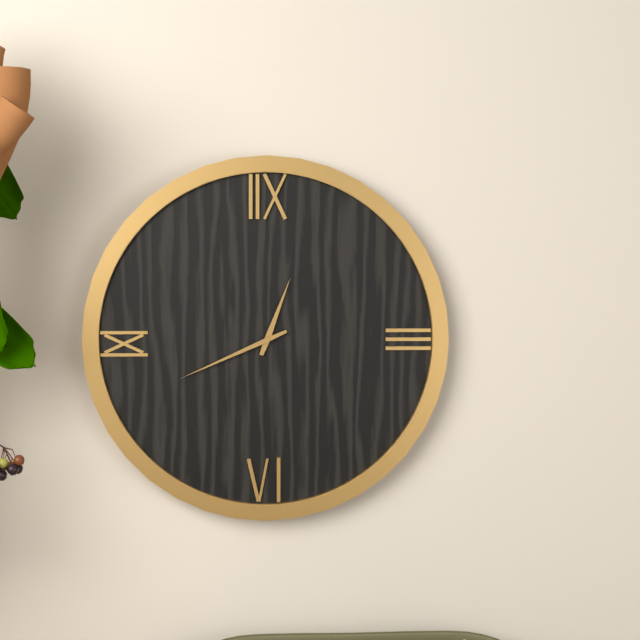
12:41
